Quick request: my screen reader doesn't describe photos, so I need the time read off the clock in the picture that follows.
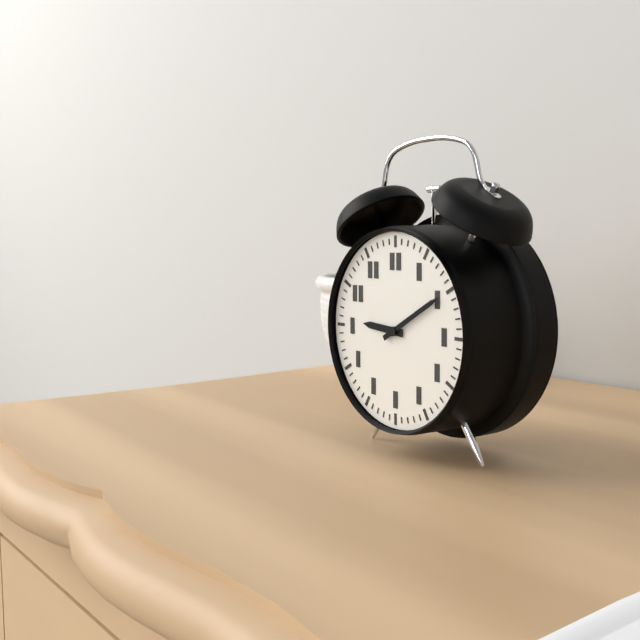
9:10
